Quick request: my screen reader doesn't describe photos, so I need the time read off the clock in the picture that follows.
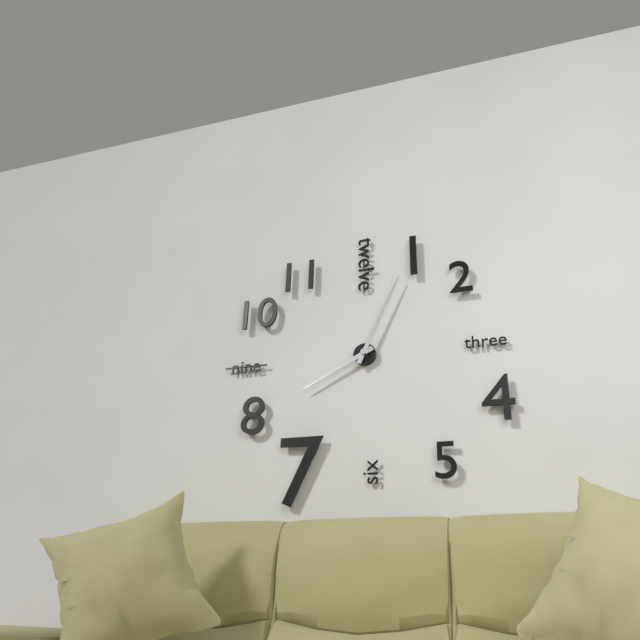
8:04
